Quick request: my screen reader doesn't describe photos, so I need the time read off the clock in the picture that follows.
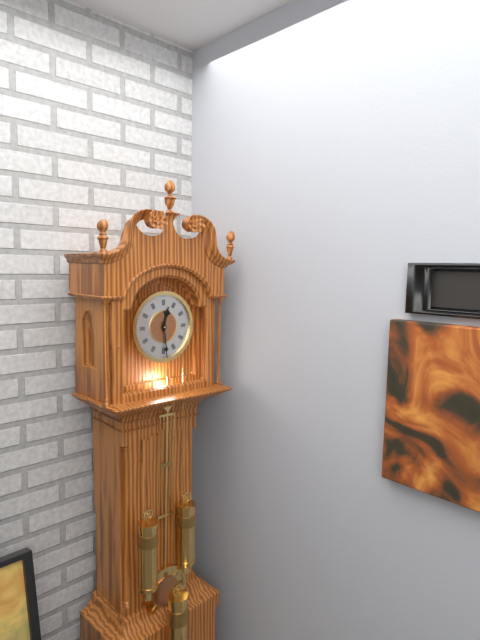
12:29
